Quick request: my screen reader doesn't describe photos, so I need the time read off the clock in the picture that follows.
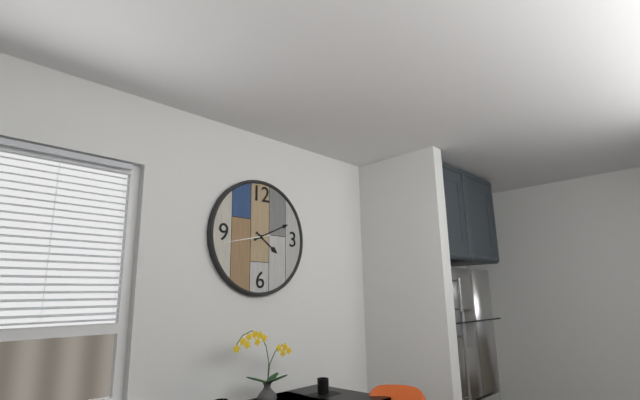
4:11
